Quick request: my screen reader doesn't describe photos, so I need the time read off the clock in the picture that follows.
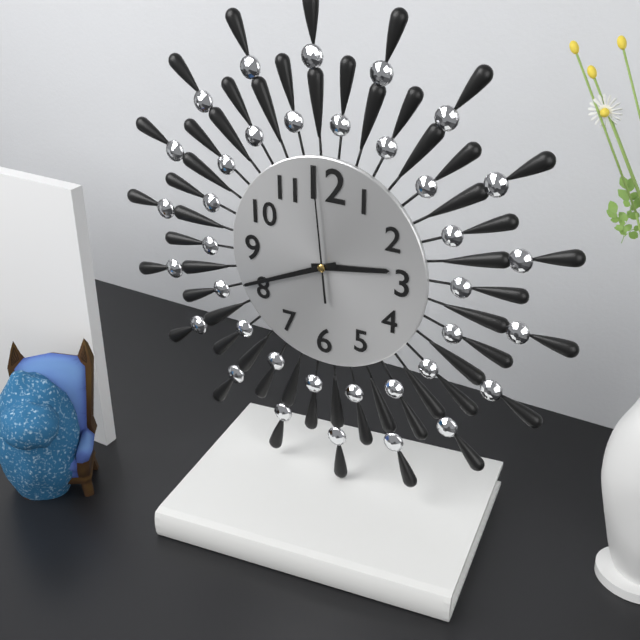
2:41:59
